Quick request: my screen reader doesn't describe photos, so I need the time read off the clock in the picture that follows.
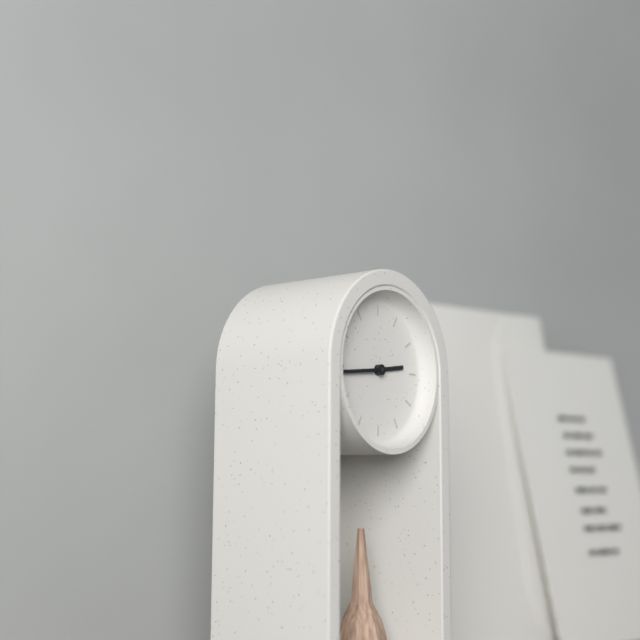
2:44
